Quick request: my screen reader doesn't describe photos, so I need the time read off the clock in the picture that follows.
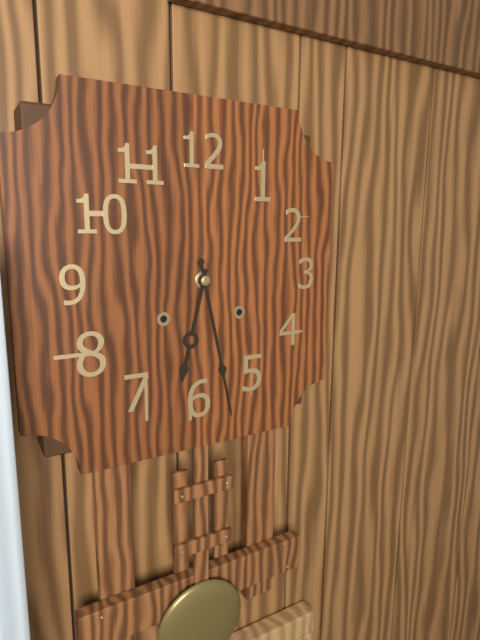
6:28
